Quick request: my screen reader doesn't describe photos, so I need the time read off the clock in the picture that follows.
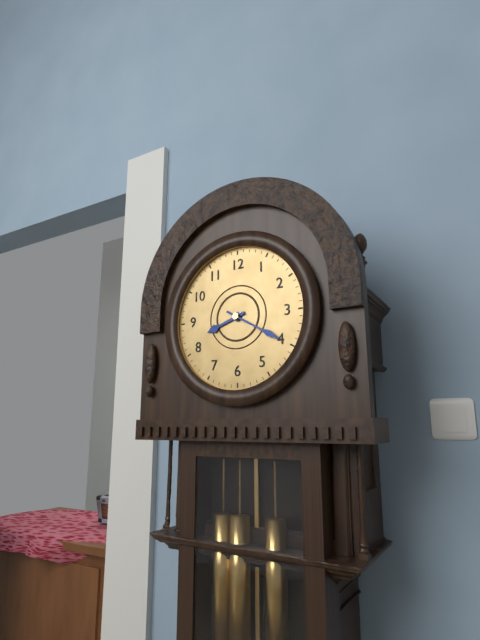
8:20
